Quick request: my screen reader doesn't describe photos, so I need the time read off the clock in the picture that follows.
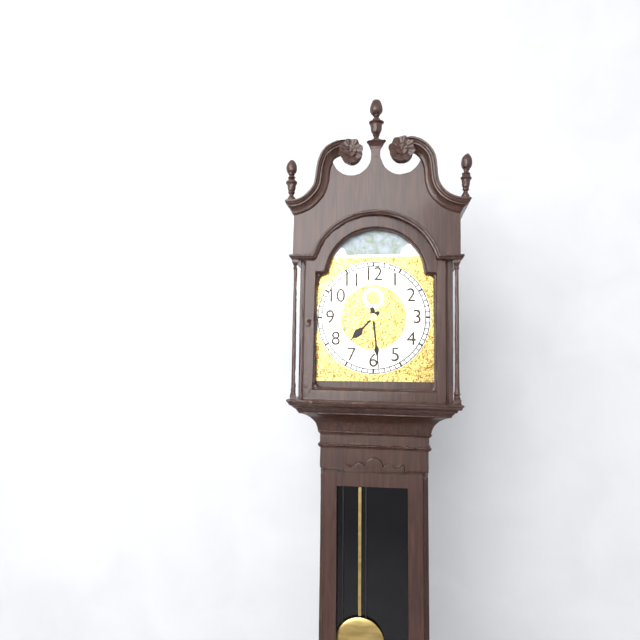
7:29
